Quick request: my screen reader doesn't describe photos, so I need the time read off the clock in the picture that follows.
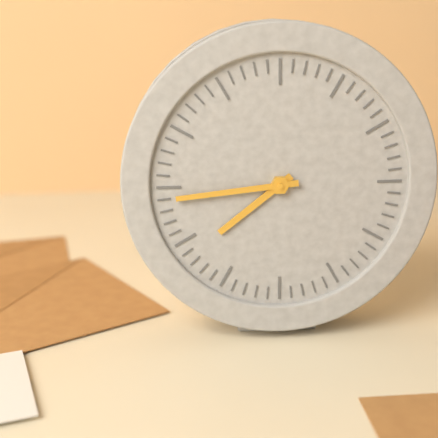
7:44
